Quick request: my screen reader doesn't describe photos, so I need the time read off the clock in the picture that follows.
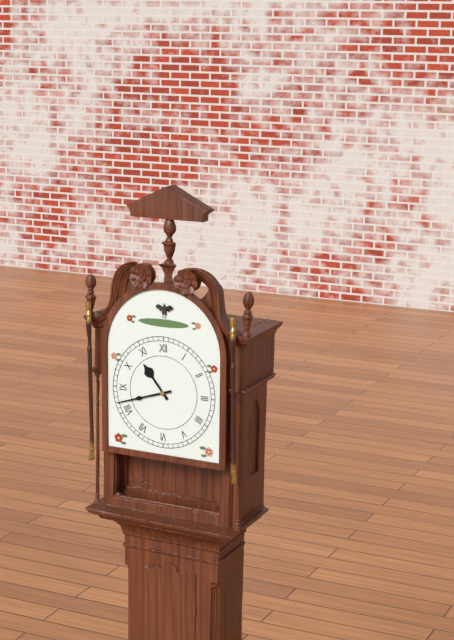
10:42
